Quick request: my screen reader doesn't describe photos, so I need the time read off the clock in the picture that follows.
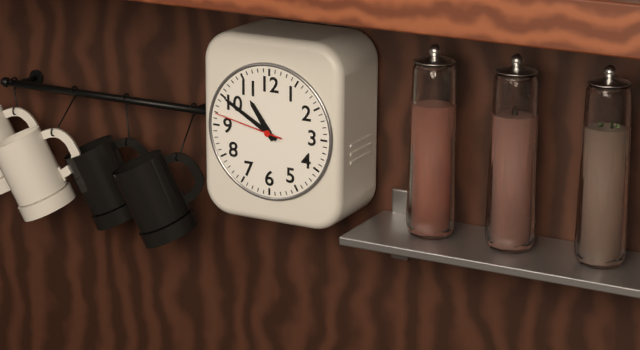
10:50:47
